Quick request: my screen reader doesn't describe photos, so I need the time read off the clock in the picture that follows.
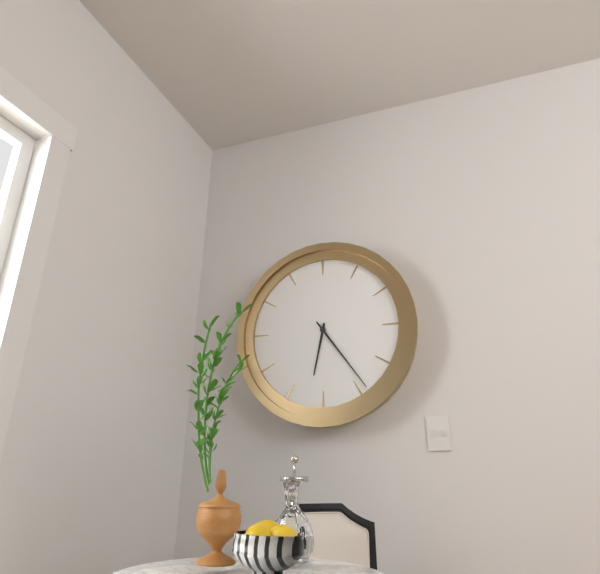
6:24
